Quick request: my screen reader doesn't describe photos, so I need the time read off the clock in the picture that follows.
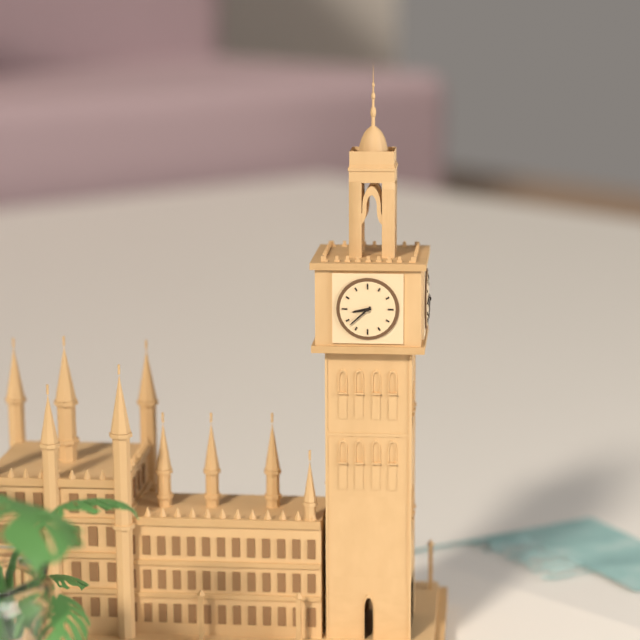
8:38
